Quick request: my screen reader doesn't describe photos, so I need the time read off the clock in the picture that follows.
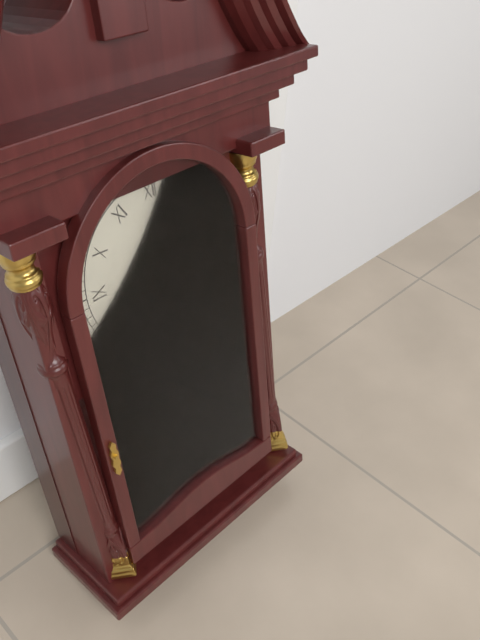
3:13:09
